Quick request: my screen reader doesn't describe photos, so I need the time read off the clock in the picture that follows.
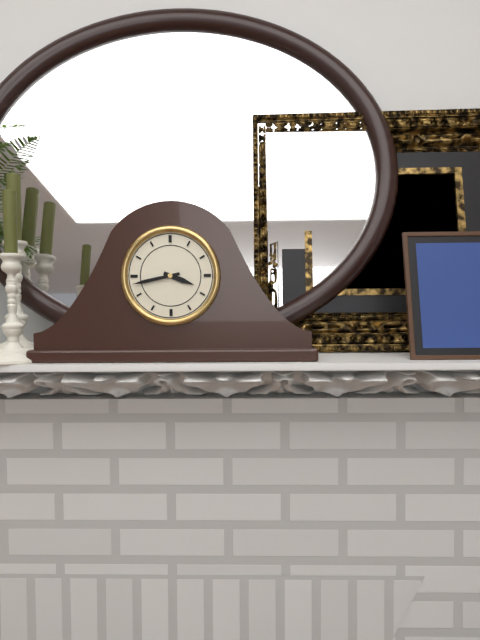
3:43
